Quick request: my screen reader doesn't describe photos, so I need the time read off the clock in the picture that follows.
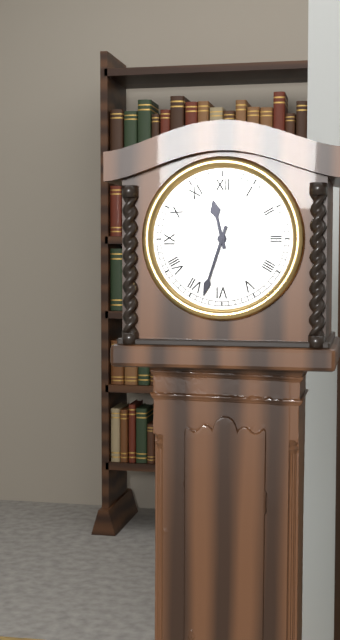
11:33
